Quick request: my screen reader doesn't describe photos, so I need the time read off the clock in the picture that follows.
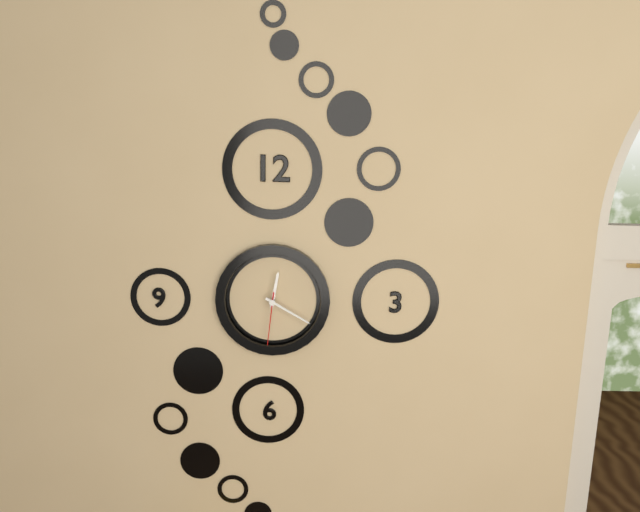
12:20:31
